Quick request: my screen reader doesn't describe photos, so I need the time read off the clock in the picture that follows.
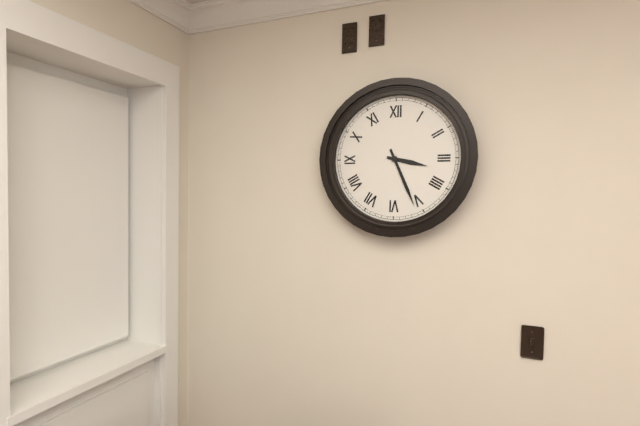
3:26
